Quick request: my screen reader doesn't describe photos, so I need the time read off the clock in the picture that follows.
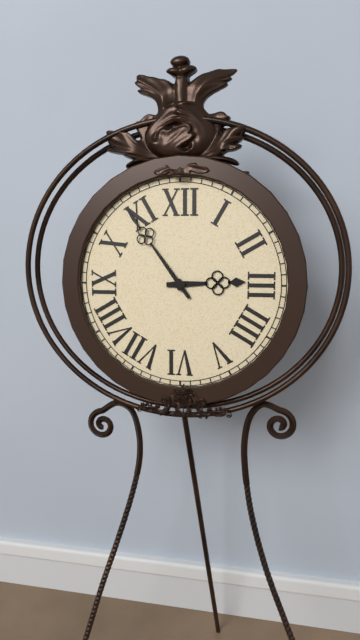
2:54
